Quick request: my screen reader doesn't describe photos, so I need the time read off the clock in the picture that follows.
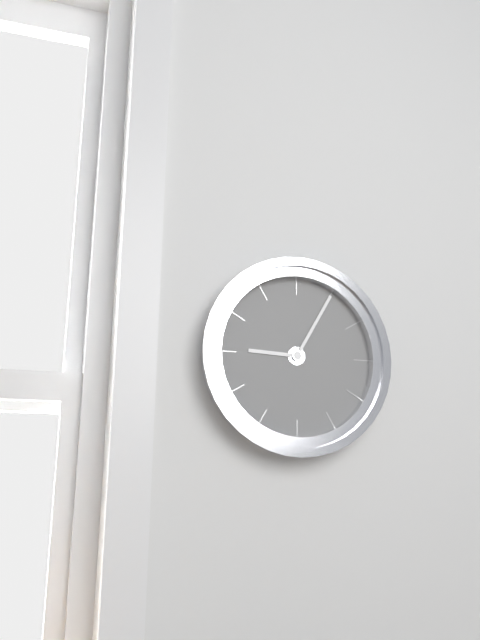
9:05
